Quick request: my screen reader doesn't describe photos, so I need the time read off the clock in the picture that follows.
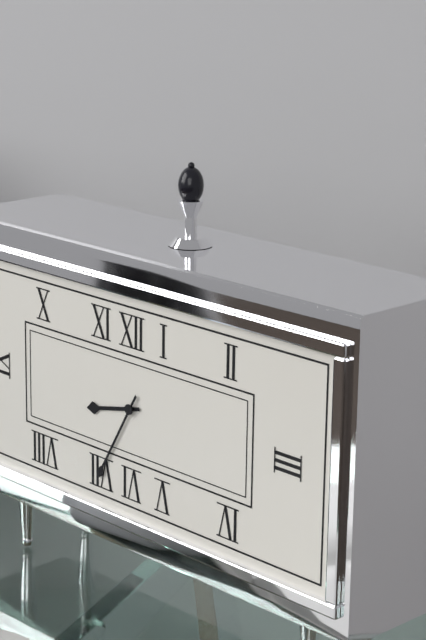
8:35
